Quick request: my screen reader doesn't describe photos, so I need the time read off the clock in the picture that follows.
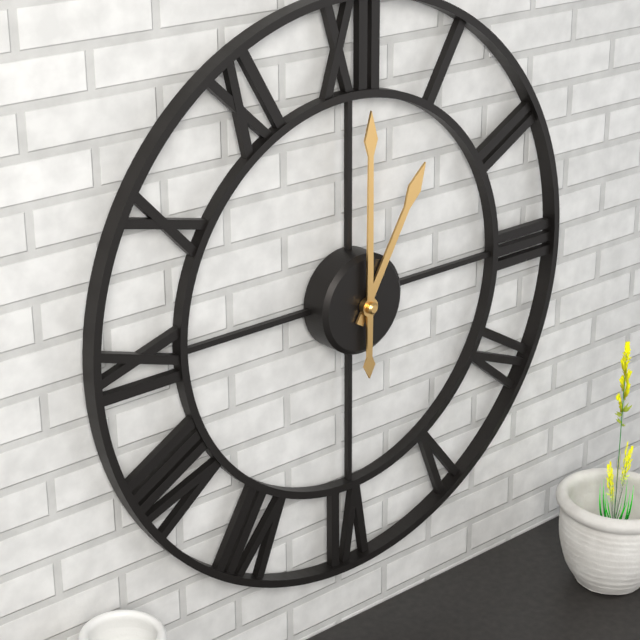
1:00
